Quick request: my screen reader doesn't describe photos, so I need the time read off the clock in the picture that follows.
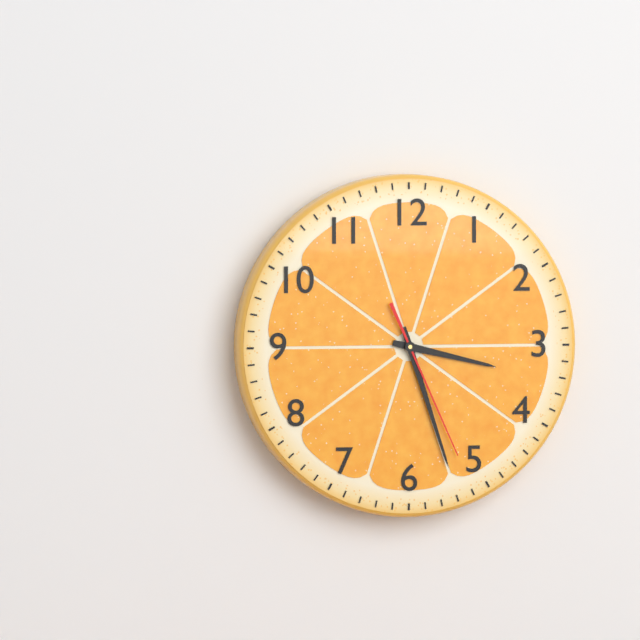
3:27:26
